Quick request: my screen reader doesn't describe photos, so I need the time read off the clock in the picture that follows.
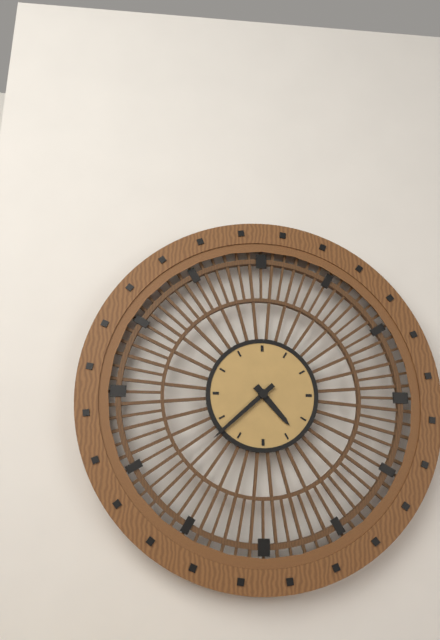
4:38
